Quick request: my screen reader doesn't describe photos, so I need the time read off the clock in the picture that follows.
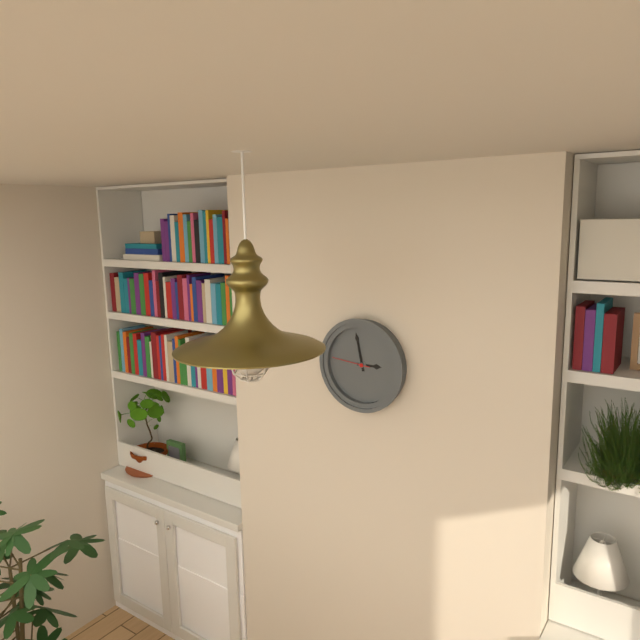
2:58
